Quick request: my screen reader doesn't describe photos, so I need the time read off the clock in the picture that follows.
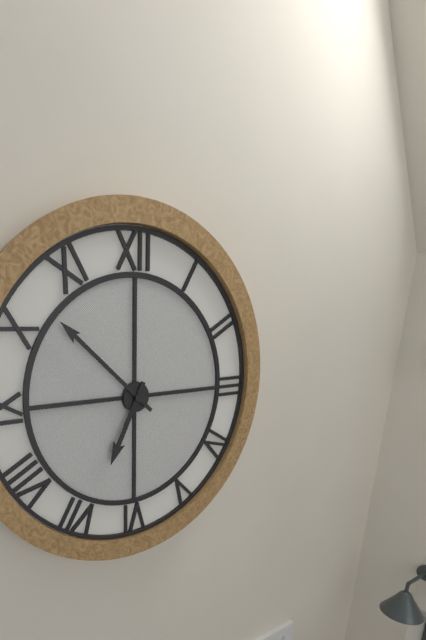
6:52
